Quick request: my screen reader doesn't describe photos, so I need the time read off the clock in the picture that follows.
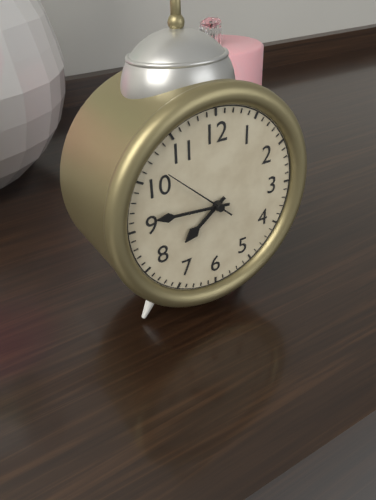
7:46:52
